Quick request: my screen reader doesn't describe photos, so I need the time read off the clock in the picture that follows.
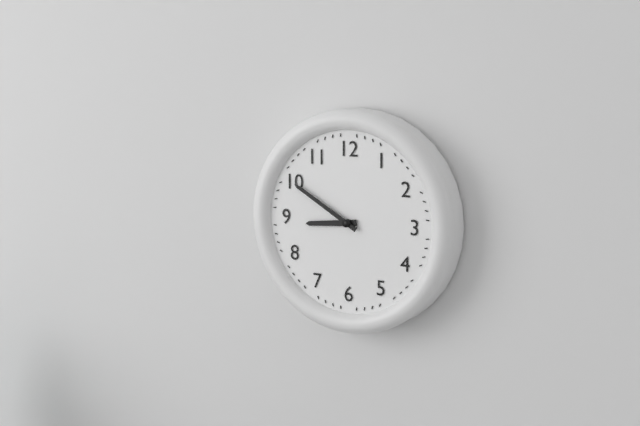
8:50
